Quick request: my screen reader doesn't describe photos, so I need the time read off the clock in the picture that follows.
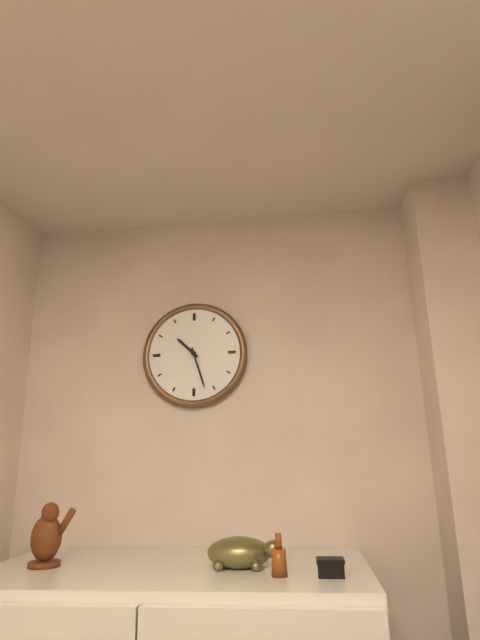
10:27
